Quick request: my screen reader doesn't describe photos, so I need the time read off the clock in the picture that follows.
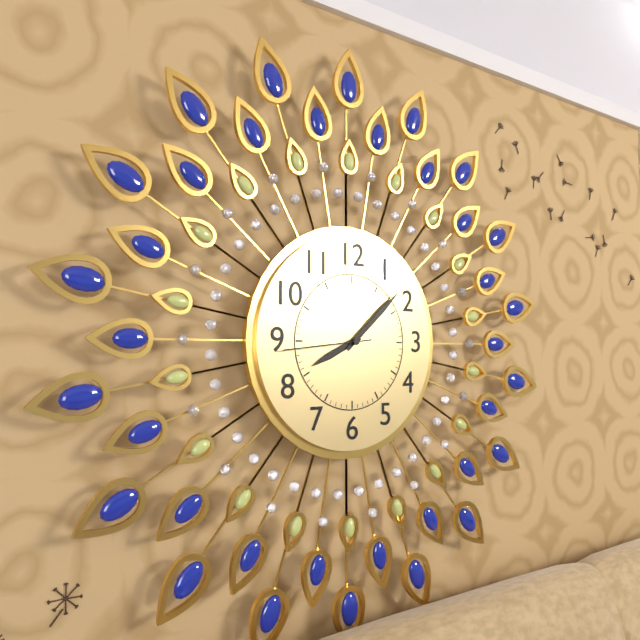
8:08:44
